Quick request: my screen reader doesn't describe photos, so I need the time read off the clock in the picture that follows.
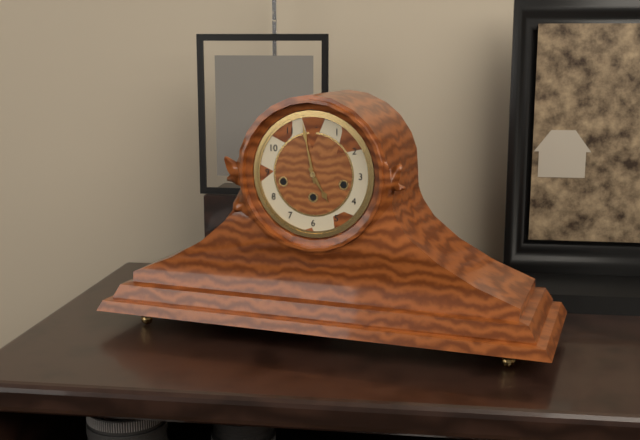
4:58
